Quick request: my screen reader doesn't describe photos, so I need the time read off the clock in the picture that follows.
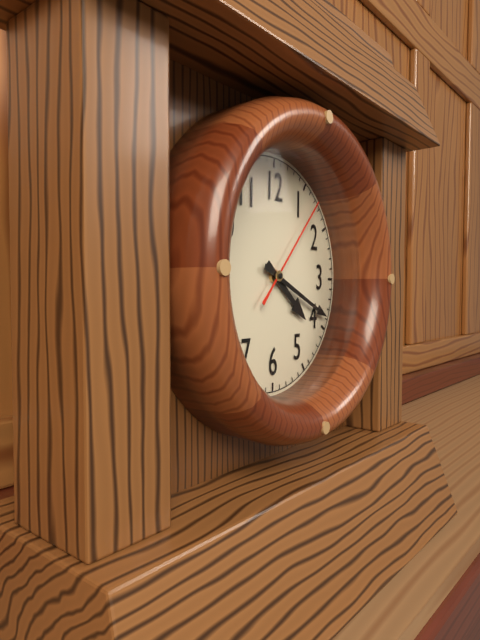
4:19:07
